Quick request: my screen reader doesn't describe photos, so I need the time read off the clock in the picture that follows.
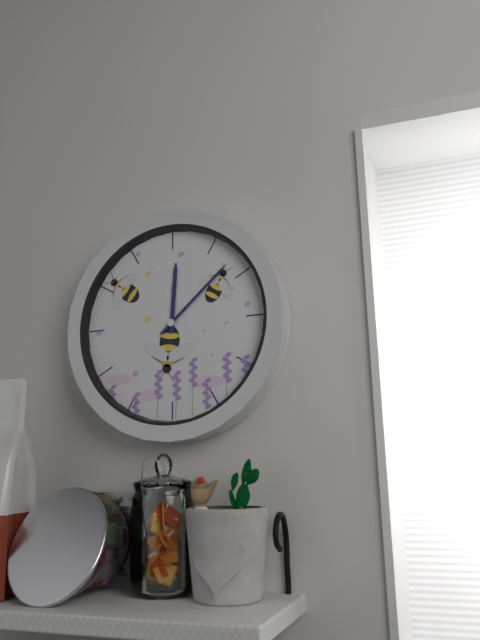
12:08
